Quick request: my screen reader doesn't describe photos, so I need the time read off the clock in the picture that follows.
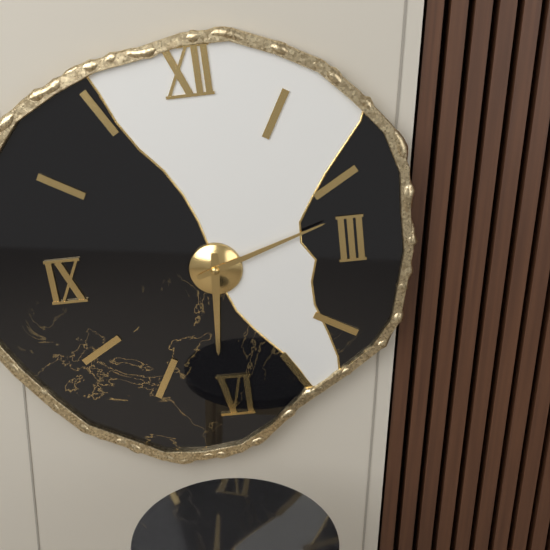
6:12
